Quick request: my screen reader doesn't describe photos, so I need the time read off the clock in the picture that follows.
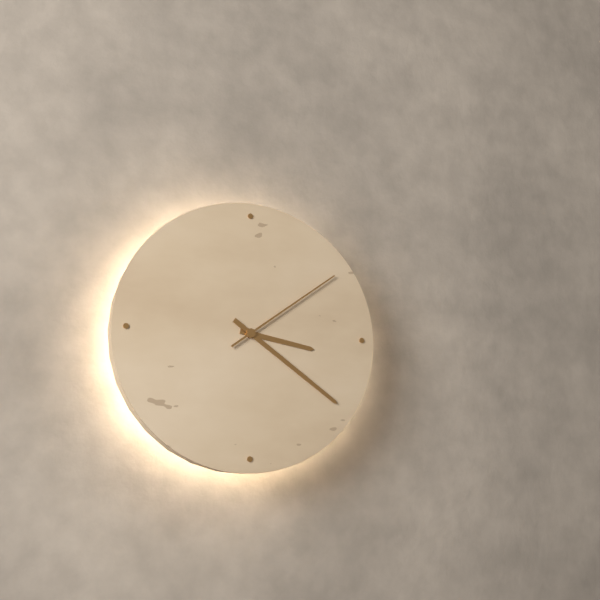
3:21:09
